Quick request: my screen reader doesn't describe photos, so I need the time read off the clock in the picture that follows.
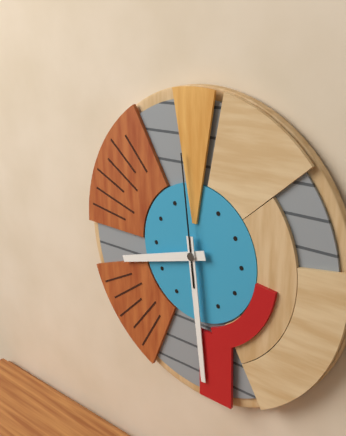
8:29:59
